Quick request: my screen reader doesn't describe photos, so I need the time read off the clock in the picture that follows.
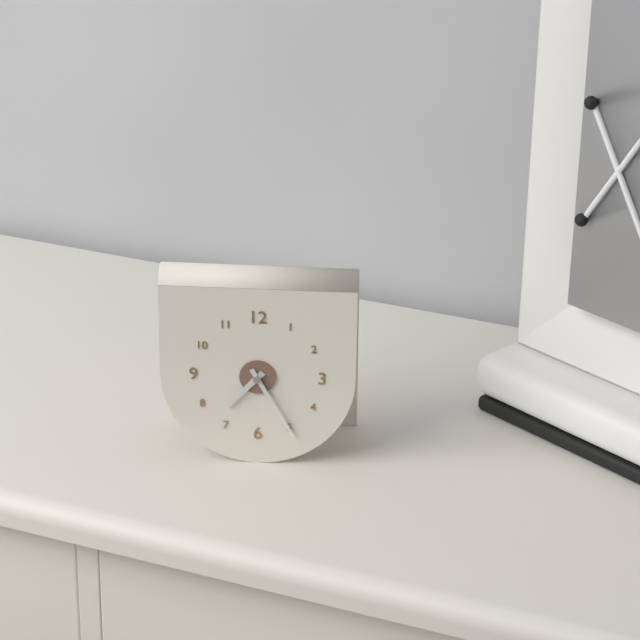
7:25
